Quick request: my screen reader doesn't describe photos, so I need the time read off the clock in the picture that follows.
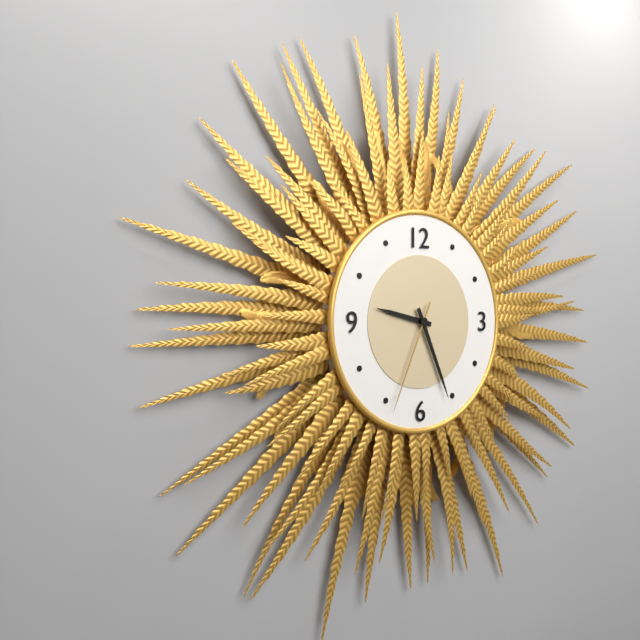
9:26:34
